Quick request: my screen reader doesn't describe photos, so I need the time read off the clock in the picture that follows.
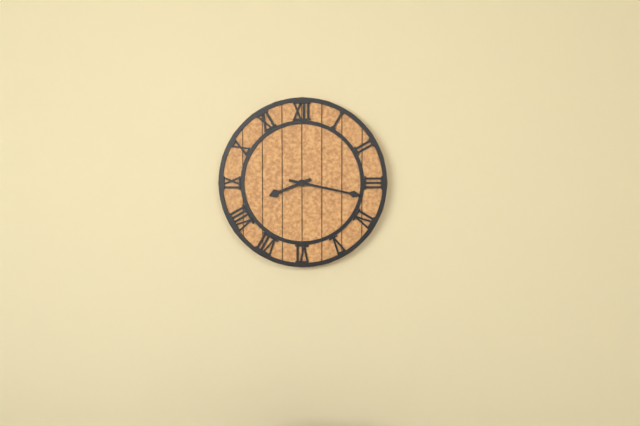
8:17
